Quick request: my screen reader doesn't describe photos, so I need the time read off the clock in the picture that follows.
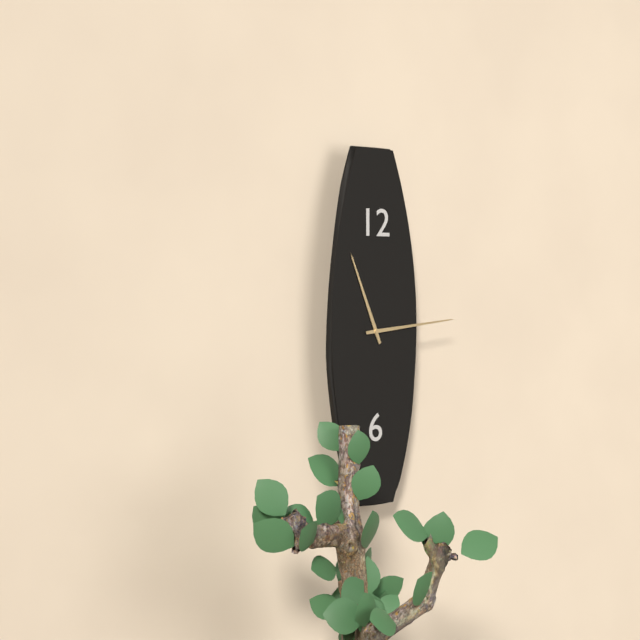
11:14
